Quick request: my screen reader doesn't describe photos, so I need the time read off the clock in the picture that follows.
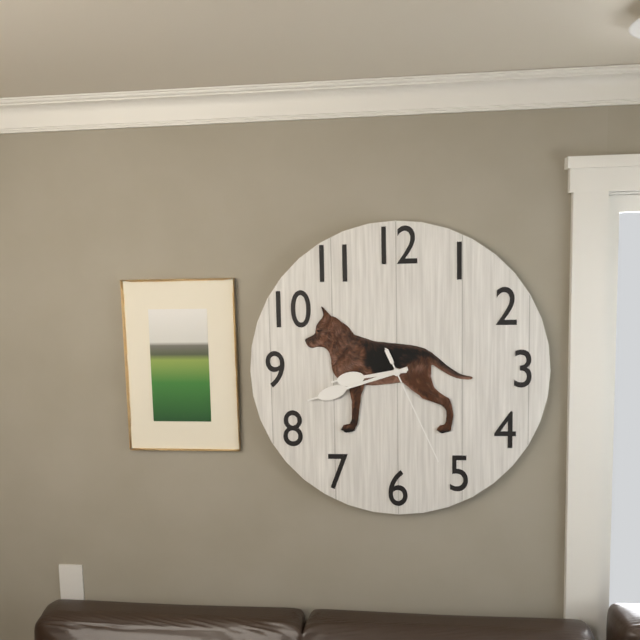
8:42:26
